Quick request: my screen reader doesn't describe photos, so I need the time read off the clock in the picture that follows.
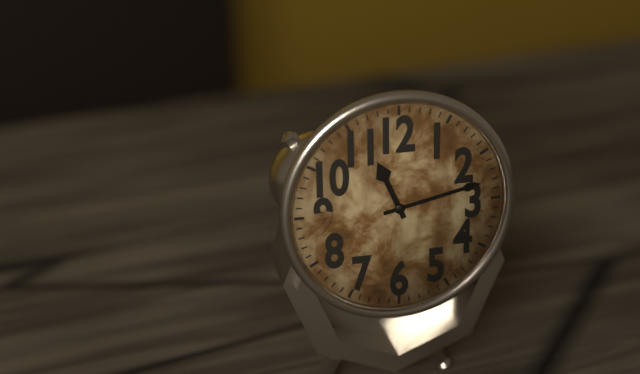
11:13
